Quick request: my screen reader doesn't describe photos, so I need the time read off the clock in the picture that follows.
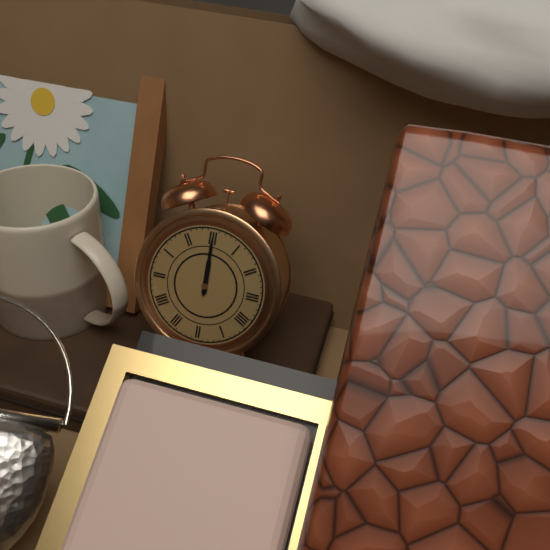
12:00
